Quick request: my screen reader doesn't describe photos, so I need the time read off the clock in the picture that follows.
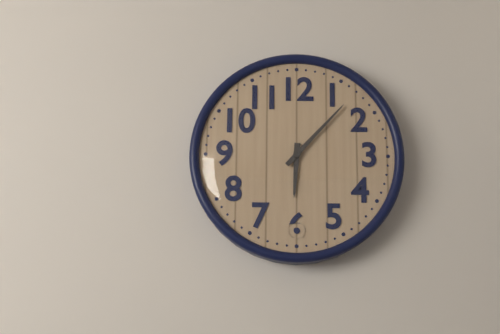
6:07
